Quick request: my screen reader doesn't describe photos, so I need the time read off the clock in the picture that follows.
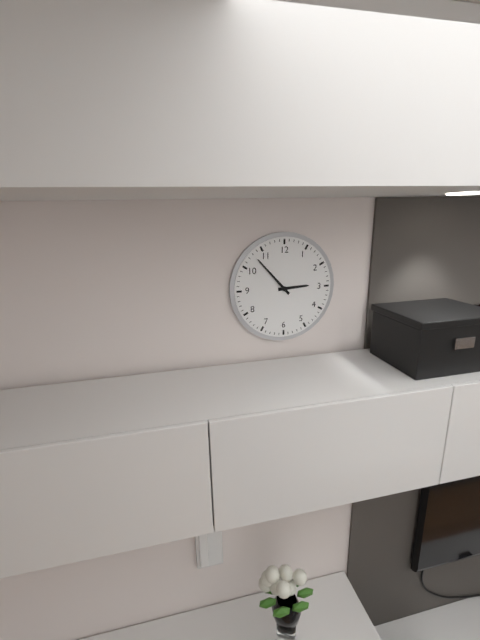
2:53
